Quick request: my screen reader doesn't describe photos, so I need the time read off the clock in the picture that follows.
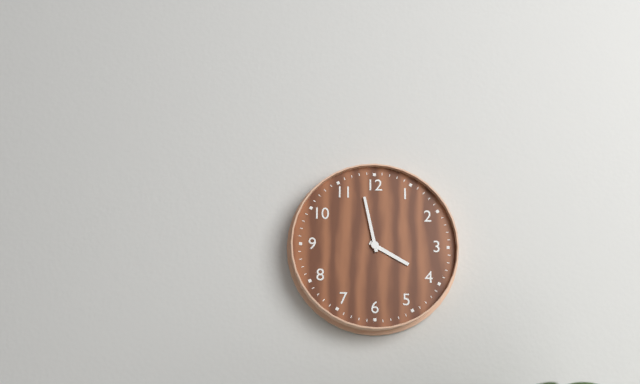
3:58
